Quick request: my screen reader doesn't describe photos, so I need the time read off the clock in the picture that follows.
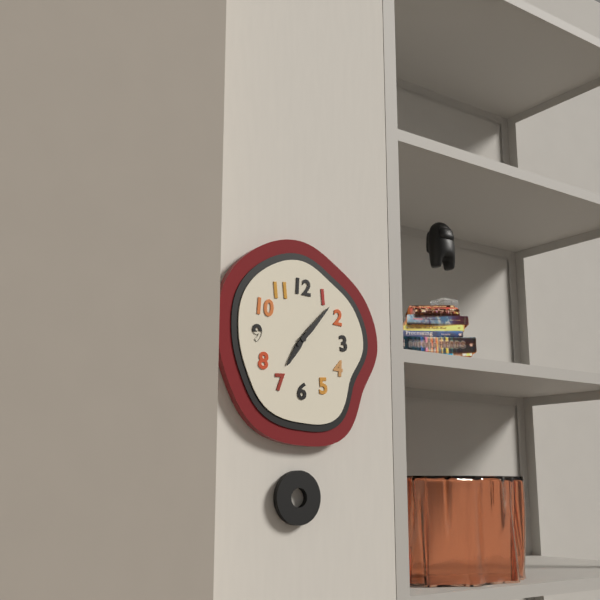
7:07
